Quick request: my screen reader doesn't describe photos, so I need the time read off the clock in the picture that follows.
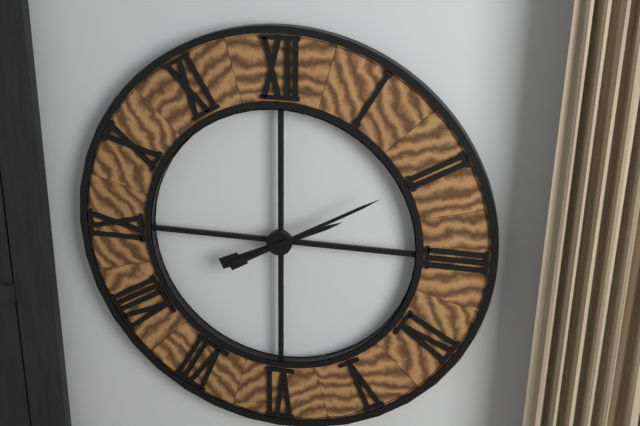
2:10
